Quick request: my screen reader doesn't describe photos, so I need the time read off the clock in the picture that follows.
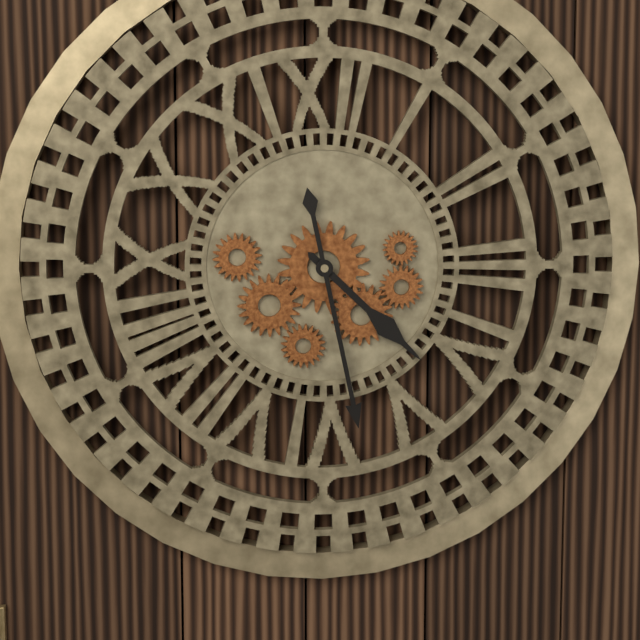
4:28
